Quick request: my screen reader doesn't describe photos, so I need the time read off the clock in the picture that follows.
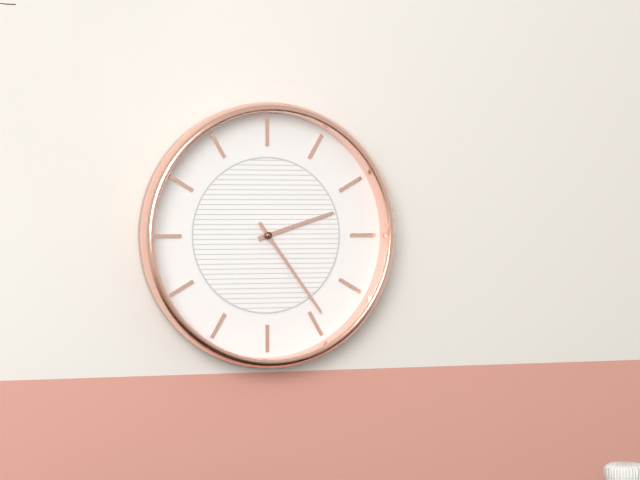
2:24
